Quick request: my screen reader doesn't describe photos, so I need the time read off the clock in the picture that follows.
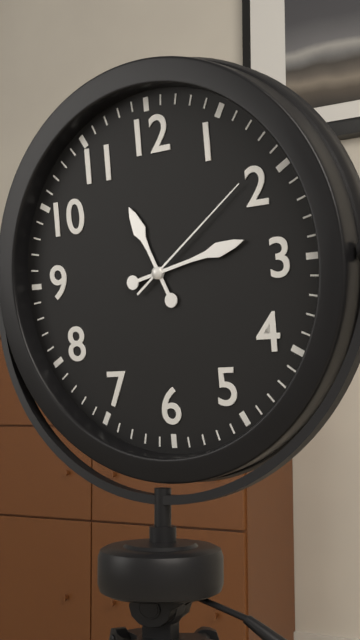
11:13:09
